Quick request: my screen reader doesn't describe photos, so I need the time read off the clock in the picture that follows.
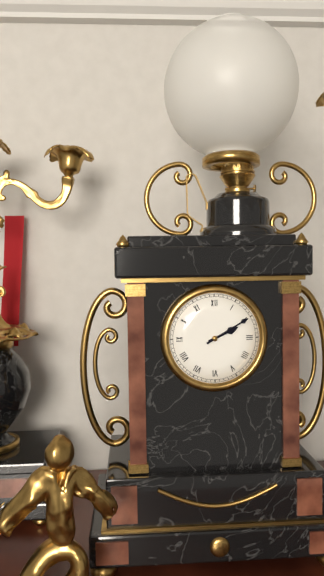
2:10
